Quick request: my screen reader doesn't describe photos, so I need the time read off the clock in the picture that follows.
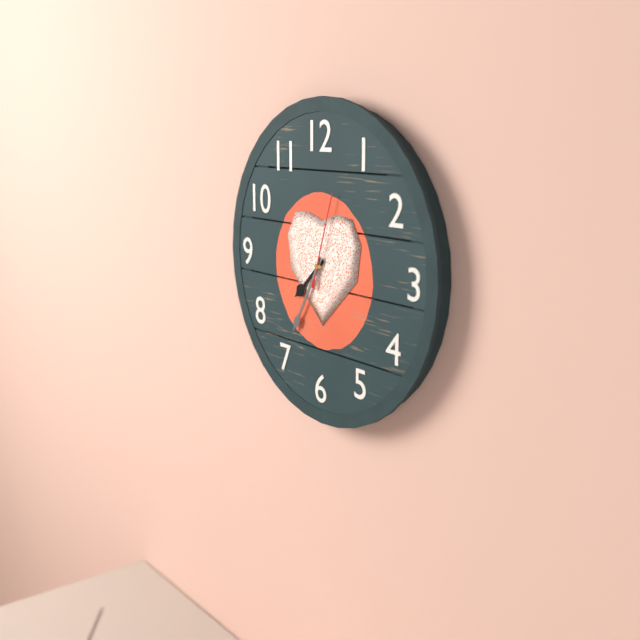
7:35:03
